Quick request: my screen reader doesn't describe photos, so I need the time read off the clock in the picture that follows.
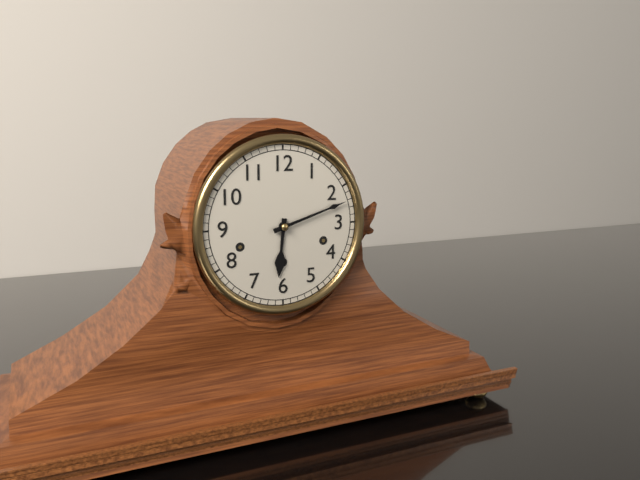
6:12
